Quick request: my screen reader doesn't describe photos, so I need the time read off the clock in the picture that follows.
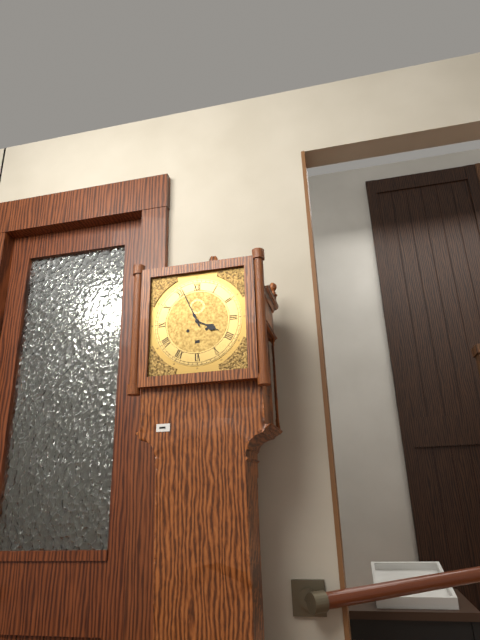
3:56
